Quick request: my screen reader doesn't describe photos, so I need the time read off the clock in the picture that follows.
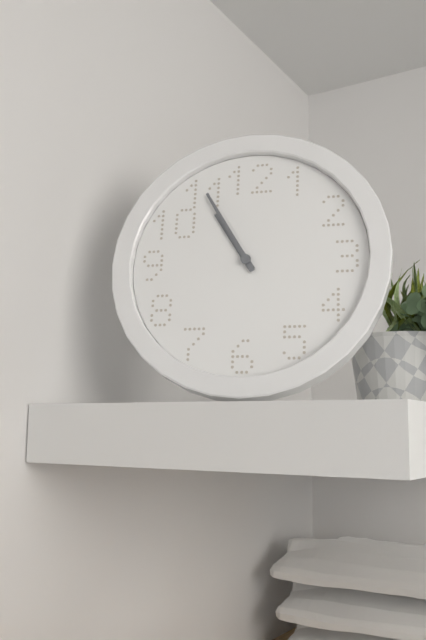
10:55
